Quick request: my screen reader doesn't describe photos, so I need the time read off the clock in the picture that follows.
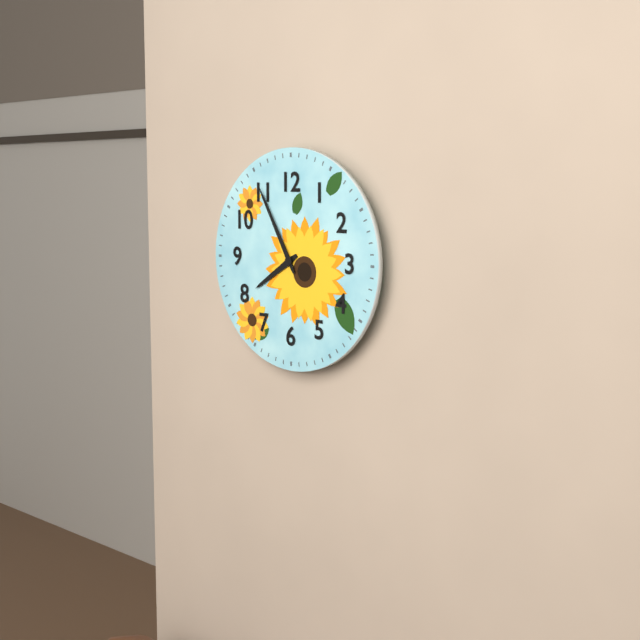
7:55
